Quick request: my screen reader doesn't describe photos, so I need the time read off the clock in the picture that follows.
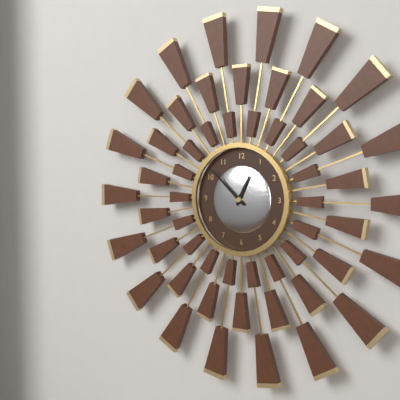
12:52
